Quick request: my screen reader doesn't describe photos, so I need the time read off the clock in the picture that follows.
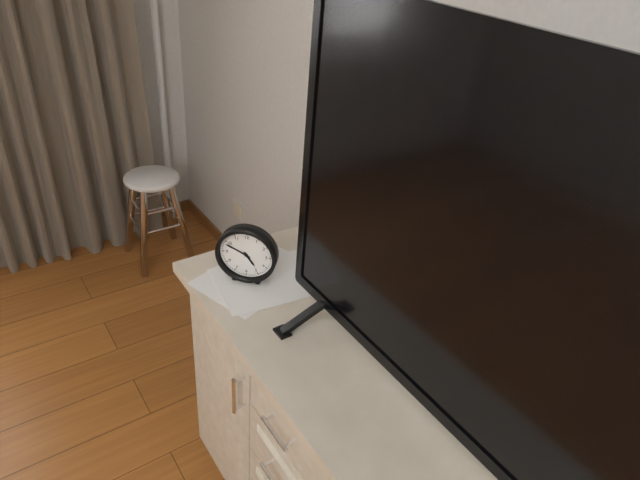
4:49
